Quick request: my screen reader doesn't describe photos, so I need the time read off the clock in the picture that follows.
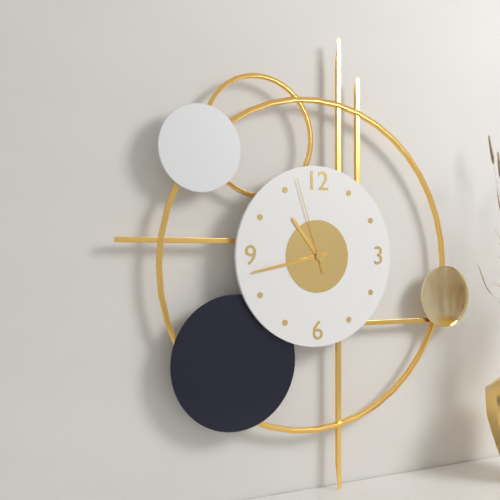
10:43:57
